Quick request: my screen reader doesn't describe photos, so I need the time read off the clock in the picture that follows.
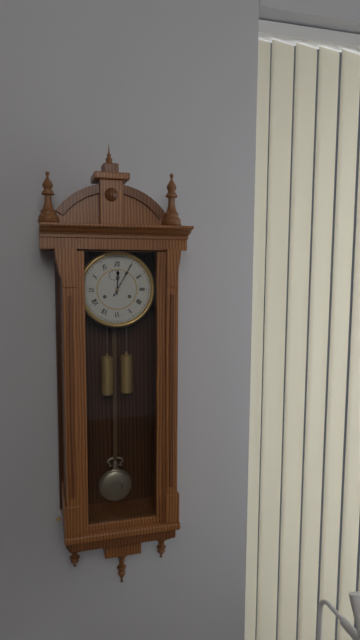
12:05
